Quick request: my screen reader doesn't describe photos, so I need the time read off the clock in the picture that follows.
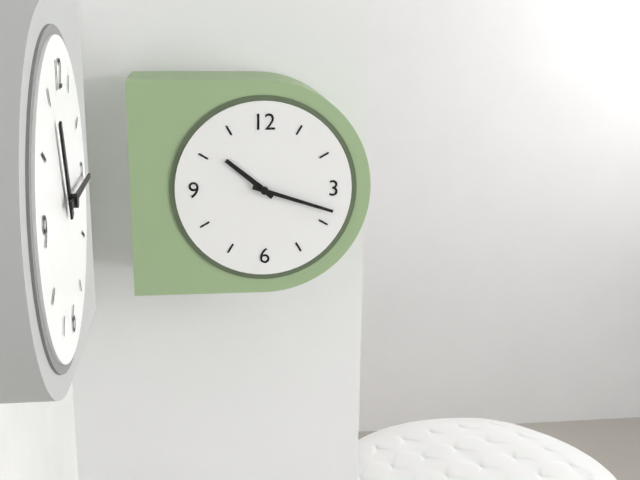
10:18
